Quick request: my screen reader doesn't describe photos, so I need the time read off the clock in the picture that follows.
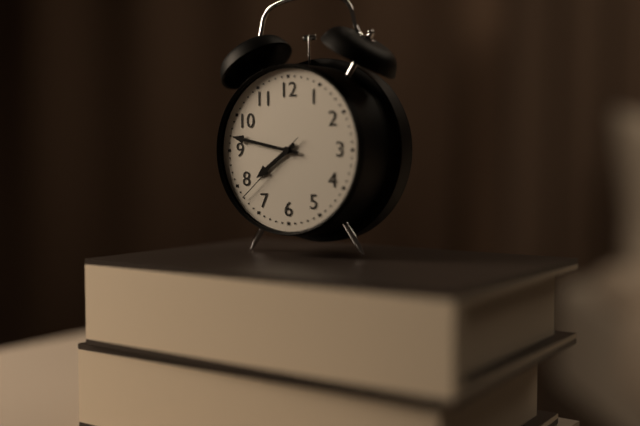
7:47:38
